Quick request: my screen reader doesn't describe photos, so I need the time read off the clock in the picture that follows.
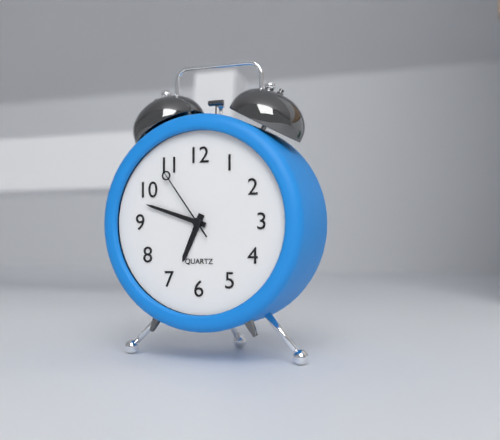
6:48:54
